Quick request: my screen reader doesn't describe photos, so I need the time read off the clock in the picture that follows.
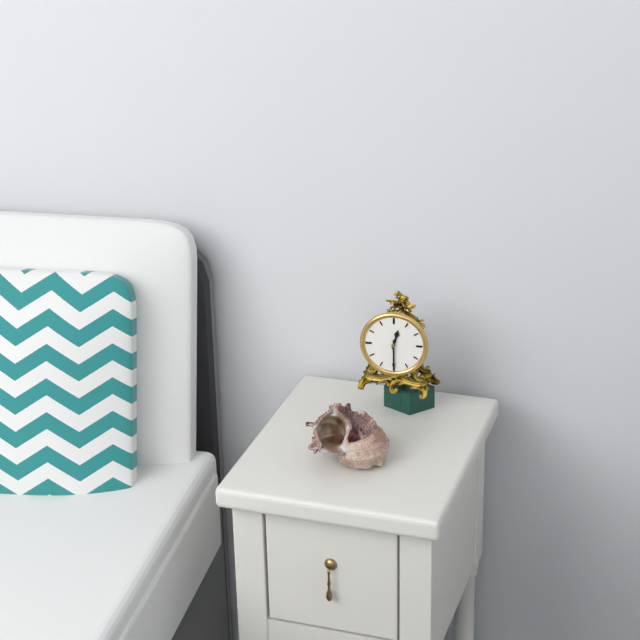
12:30
